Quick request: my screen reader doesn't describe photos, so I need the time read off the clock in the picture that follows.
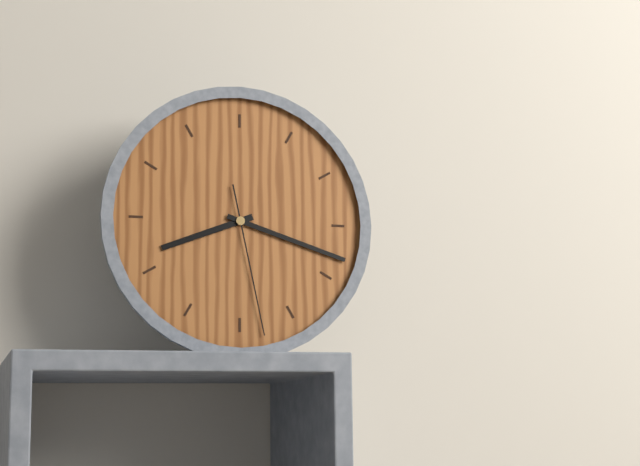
8:18:28
